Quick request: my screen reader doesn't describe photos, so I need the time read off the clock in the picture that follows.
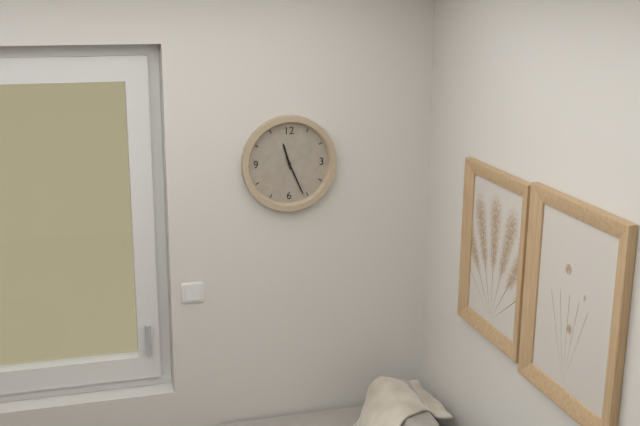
11:26
